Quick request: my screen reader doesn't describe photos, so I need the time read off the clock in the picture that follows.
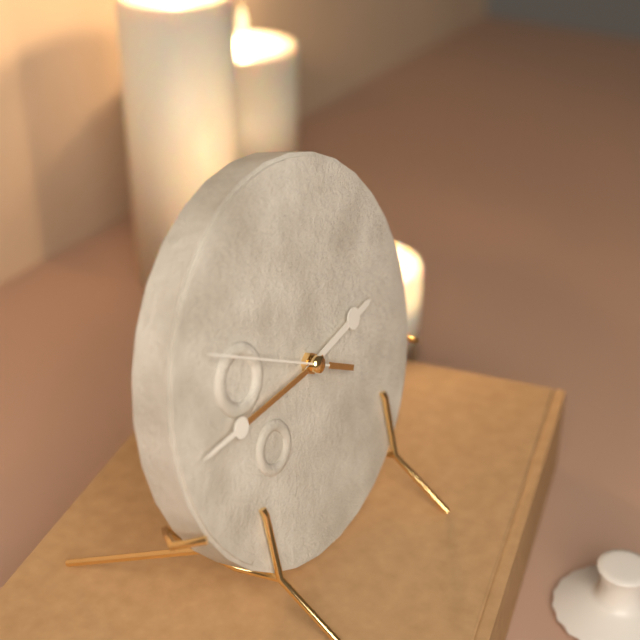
2:45:50
